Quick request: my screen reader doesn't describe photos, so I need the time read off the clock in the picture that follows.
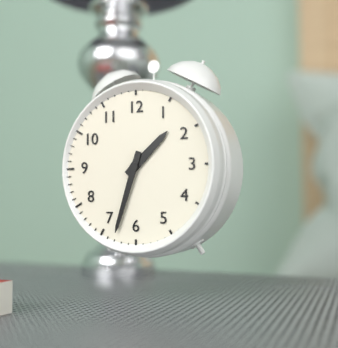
1:33
